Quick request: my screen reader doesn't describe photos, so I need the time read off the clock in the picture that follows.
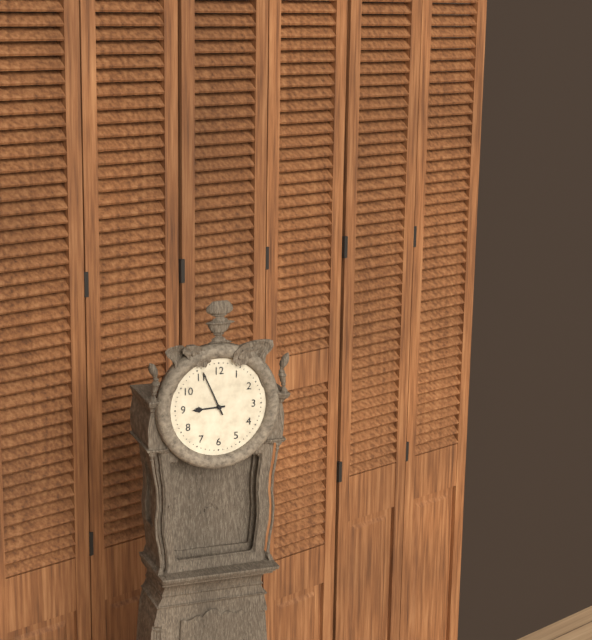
8:56
